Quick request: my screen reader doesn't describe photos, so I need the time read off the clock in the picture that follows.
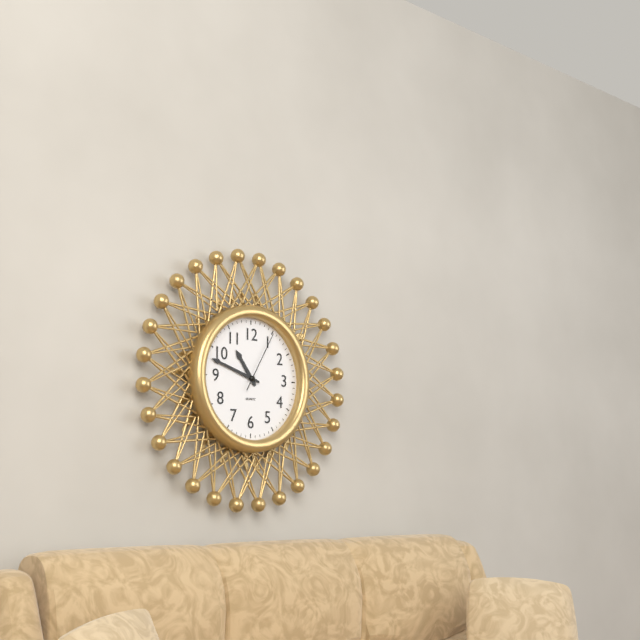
10:48:05
